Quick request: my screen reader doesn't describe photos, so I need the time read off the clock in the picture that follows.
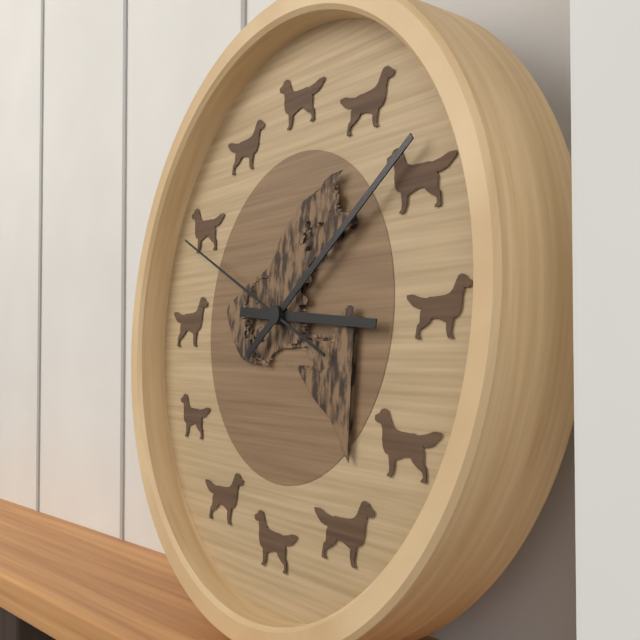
3:09:49
